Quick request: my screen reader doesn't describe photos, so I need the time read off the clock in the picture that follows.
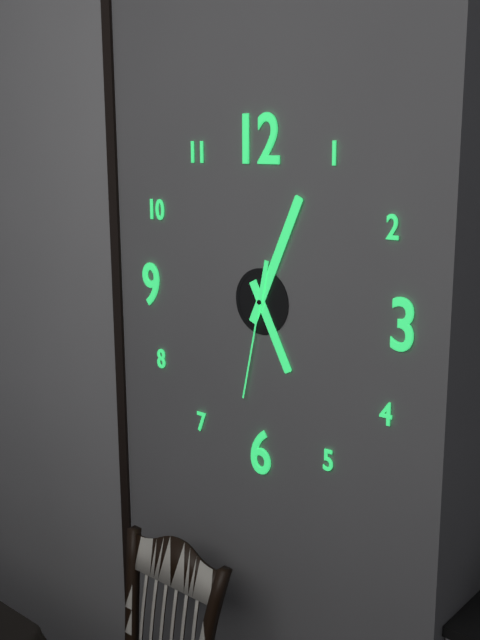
5:04:32
